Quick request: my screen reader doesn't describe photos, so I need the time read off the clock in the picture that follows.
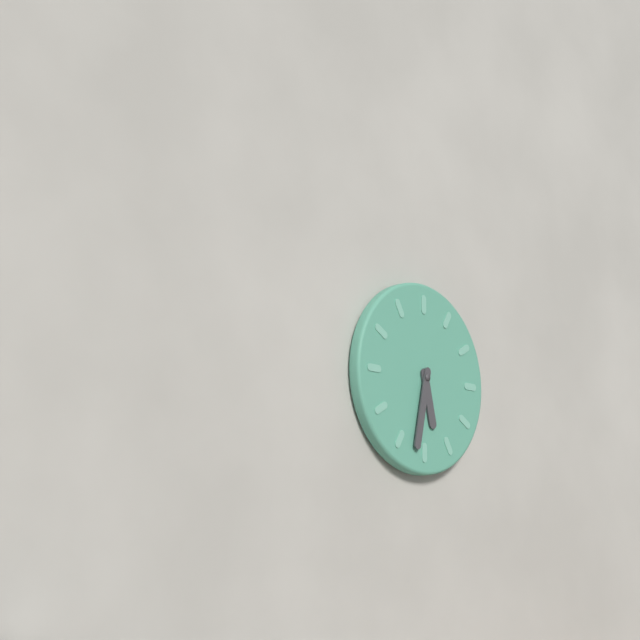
5:32
